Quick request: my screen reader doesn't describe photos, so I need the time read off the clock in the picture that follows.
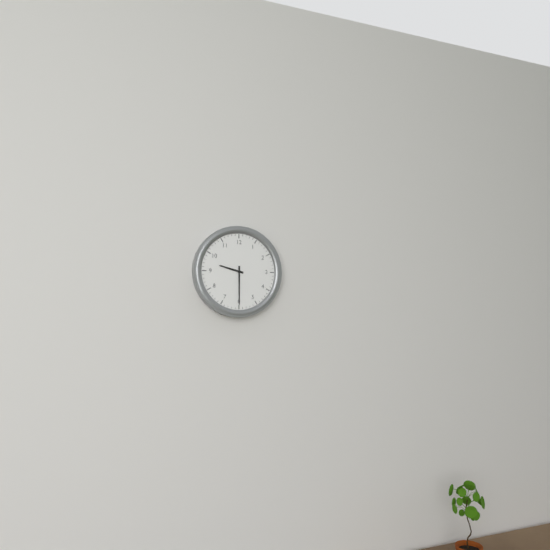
9:30
